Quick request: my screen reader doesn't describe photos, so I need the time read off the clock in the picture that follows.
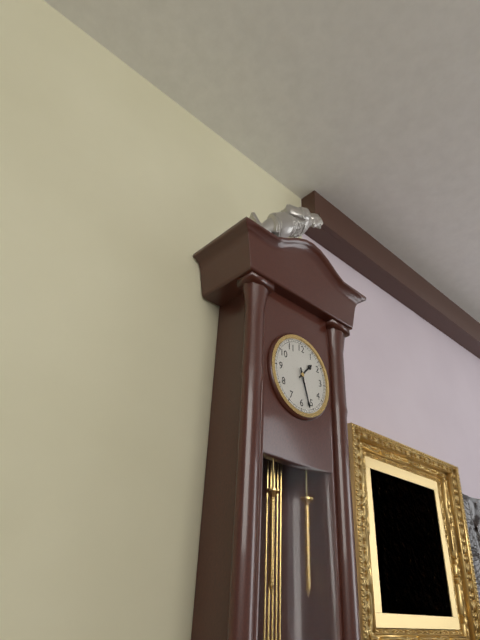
1:27
